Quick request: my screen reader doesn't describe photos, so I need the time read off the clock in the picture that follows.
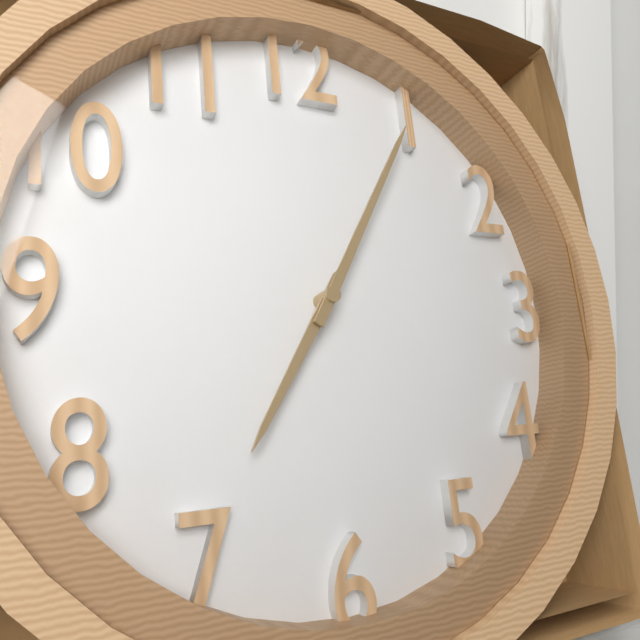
7:05
